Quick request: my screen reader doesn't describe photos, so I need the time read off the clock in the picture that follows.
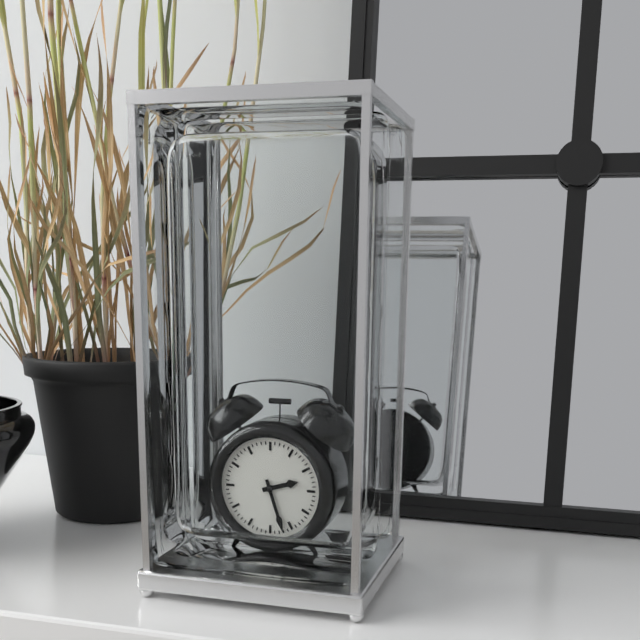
2:27
